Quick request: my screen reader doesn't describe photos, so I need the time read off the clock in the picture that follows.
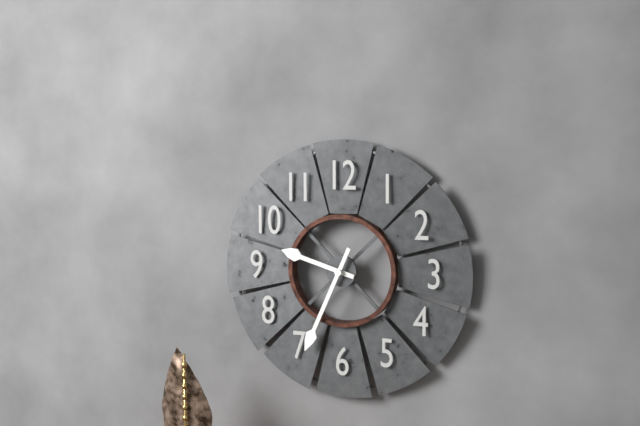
9:34
